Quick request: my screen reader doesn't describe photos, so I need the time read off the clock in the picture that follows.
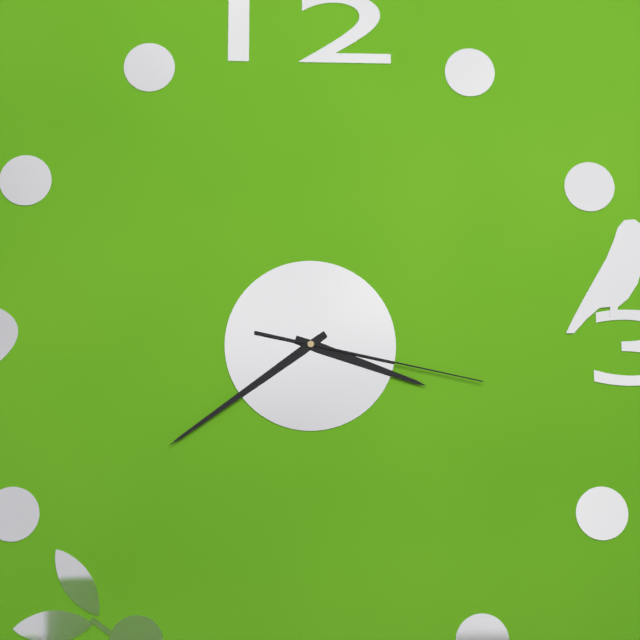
3:39:17
